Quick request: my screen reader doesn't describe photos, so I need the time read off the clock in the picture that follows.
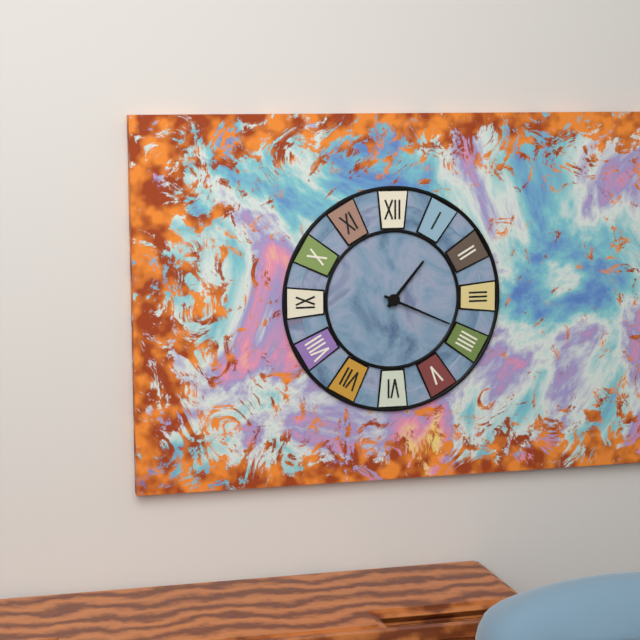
1:19
